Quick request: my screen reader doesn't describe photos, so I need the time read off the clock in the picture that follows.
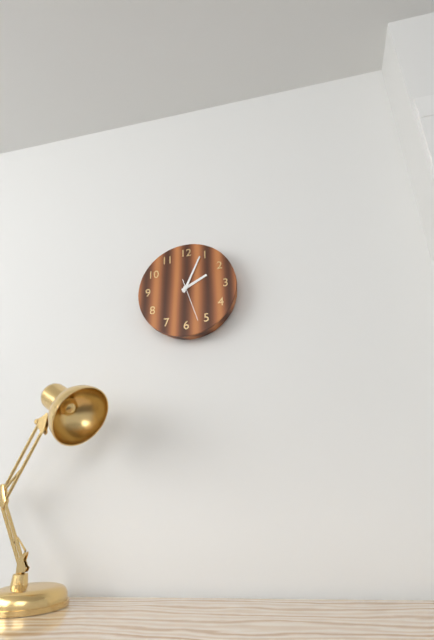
2:04
